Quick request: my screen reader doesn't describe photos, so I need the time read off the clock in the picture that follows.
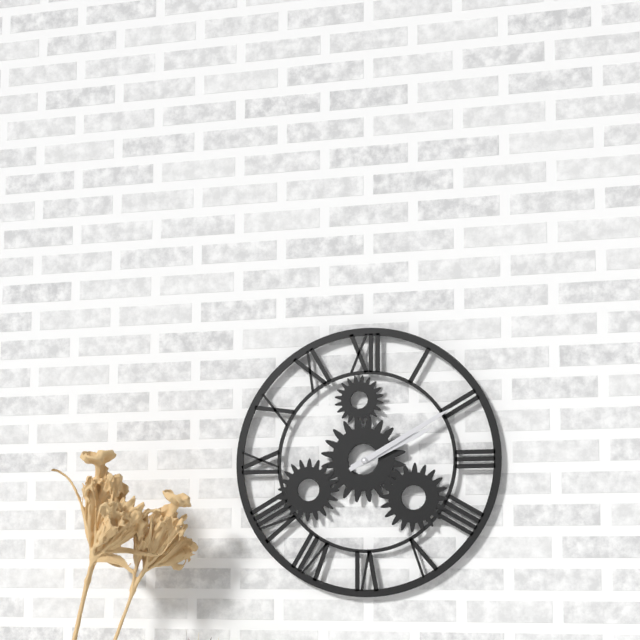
2:10
